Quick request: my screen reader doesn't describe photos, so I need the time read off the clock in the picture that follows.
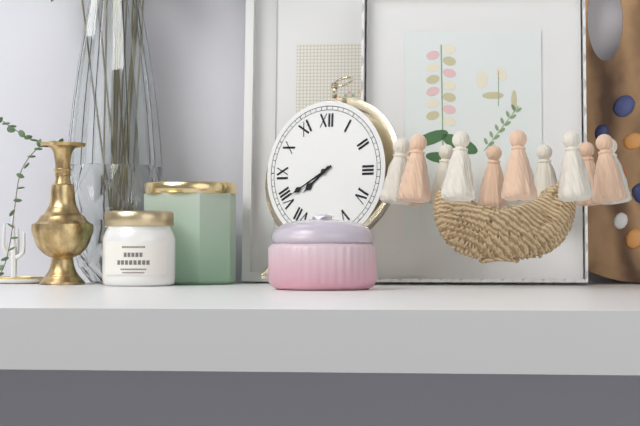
7:40
